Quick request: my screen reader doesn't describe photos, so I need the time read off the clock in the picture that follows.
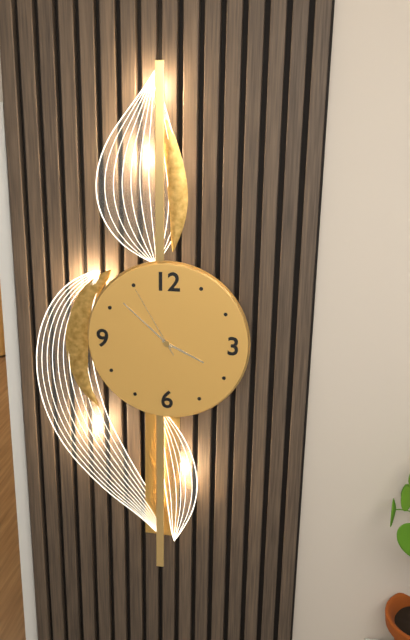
3:52:55
